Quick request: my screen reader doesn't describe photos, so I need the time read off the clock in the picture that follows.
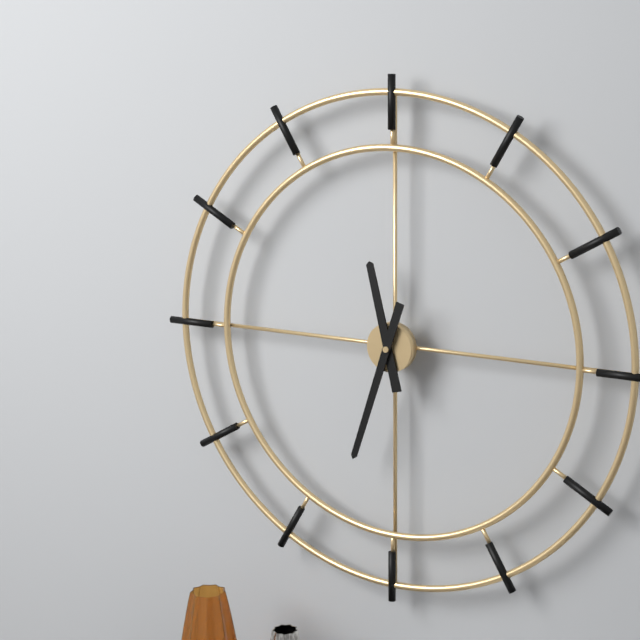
11:33
